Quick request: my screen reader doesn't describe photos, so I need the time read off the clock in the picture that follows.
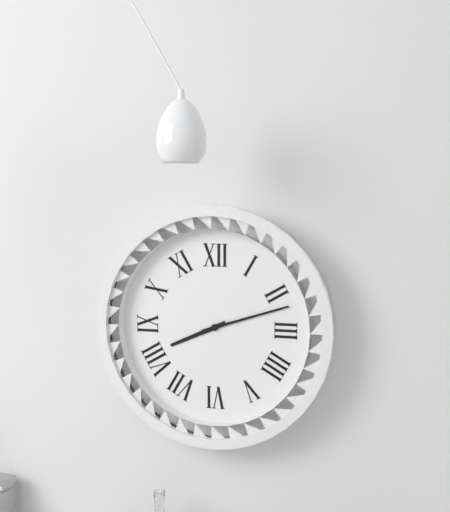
8:12
